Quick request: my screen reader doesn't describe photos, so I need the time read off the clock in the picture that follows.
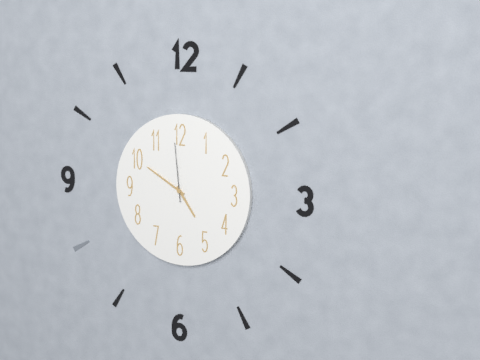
4:50:59
